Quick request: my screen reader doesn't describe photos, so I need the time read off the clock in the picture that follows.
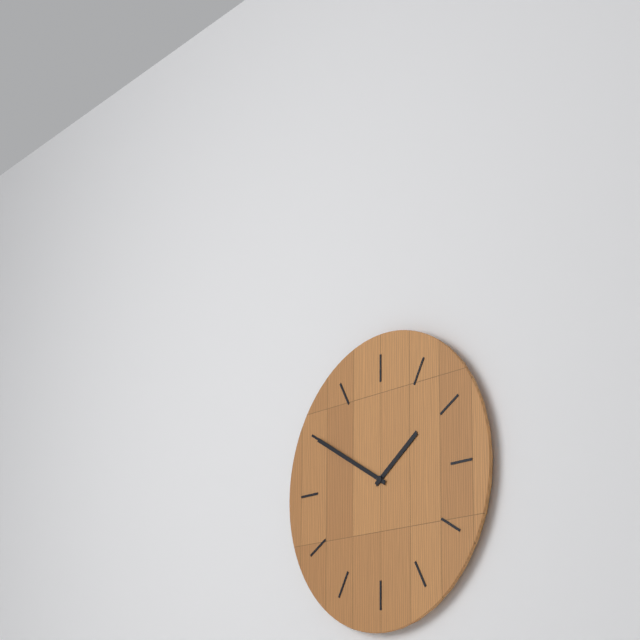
1:50
